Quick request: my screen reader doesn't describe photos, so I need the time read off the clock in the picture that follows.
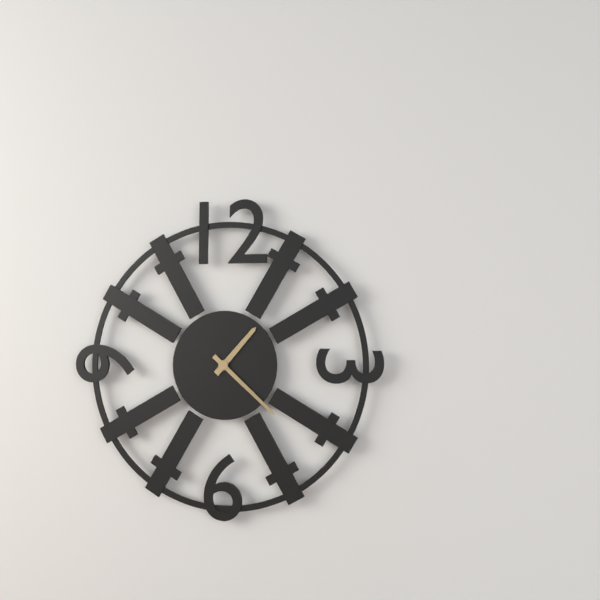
1:22
